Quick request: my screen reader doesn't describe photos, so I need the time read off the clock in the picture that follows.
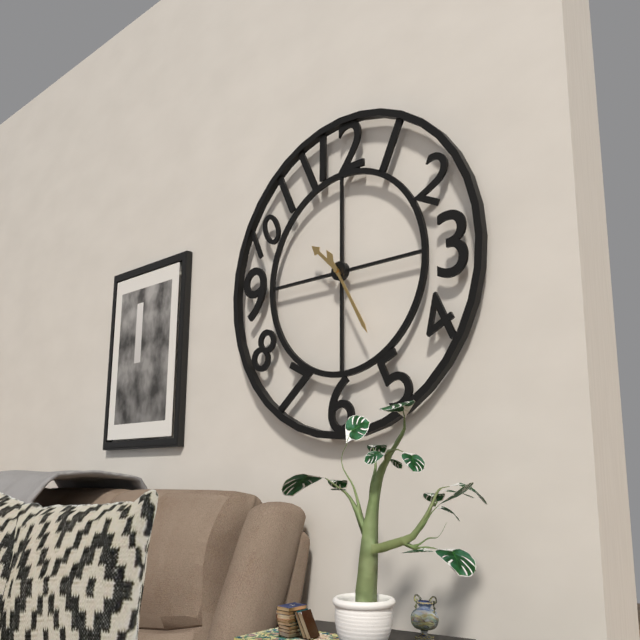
10:25
